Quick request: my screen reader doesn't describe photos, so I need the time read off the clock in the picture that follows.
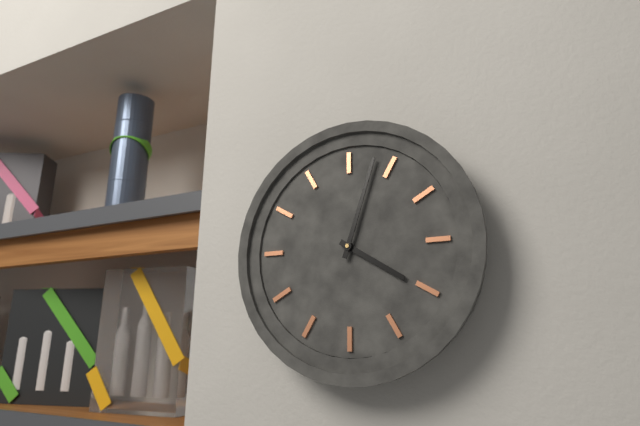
4:03
